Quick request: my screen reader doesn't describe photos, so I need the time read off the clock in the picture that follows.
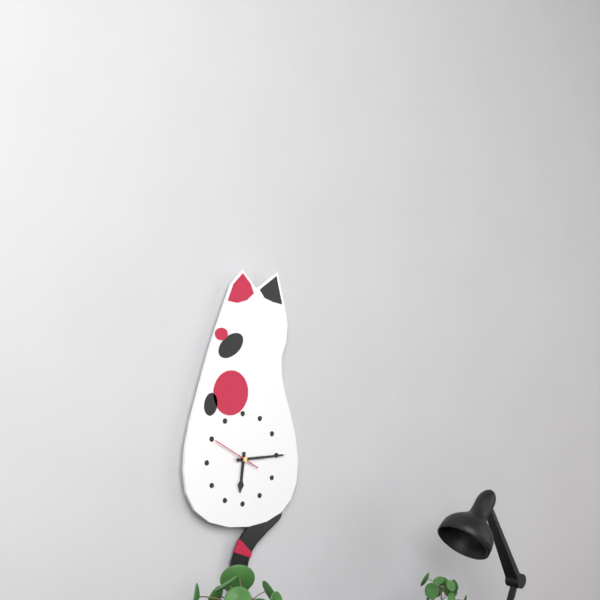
6:15
